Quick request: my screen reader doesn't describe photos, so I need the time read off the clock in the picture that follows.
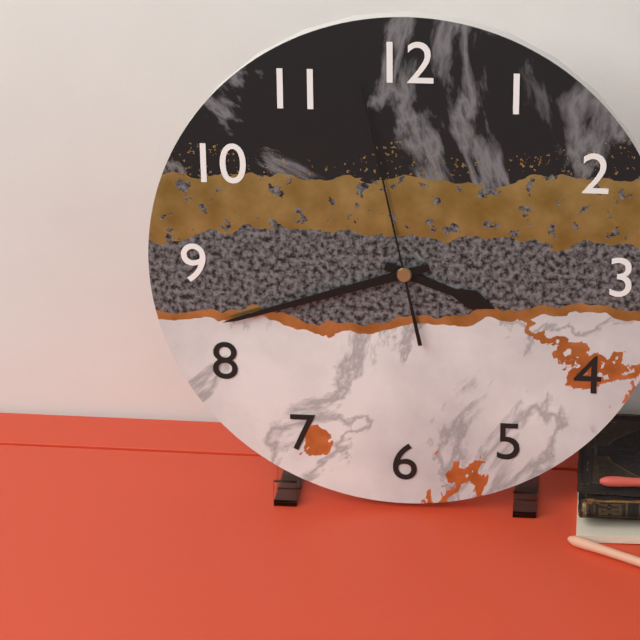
3:42:58
